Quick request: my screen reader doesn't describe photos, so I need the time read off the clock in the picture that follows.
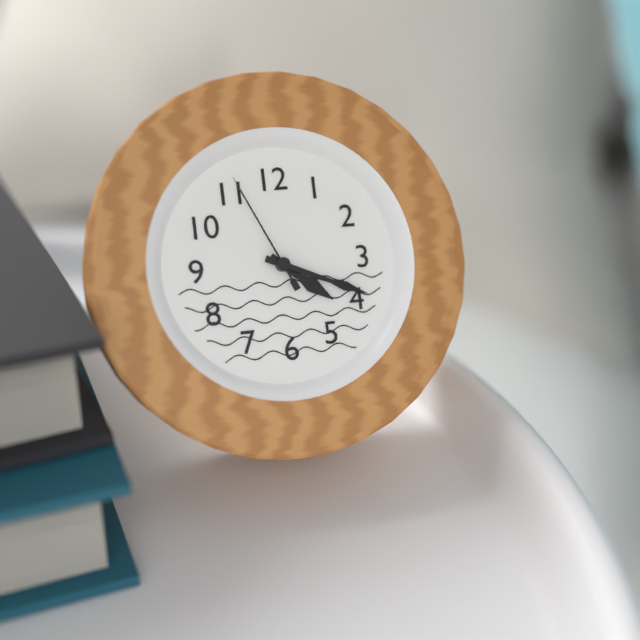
4:19:56
